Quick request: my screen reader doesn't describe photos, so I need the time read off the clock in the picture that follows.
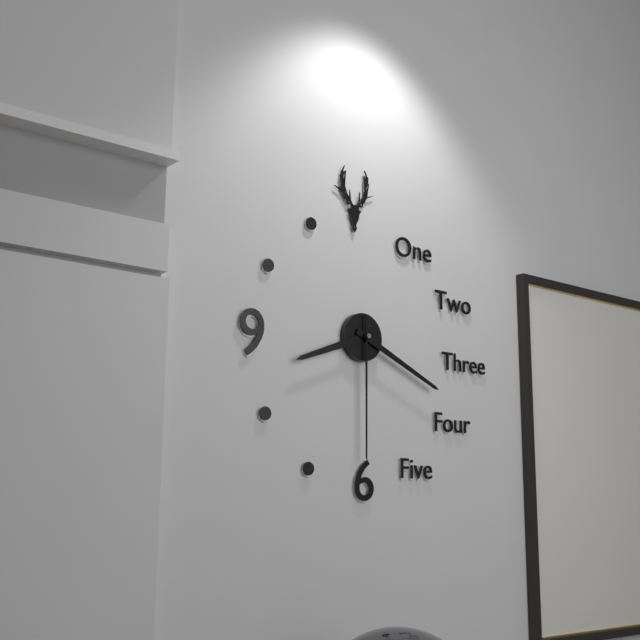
8:19:30
